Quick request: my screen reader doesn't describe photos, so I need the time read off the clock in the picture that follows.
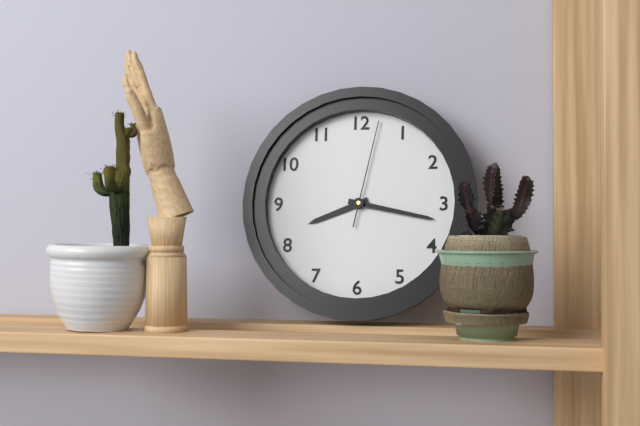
8:17:02
